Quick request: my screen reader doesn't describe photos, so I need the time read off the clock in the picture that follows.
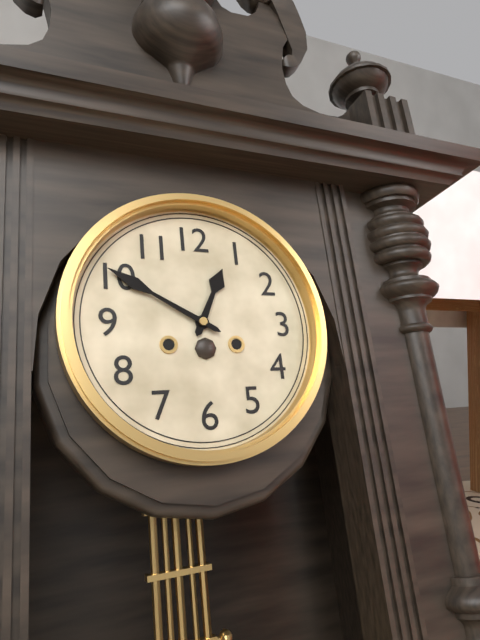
12:50
